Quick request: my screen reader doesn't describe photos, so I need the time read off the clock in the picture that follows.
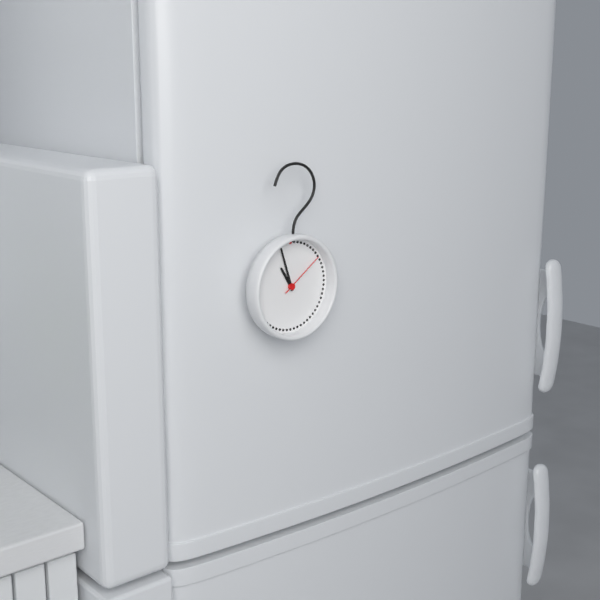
10:57:09
